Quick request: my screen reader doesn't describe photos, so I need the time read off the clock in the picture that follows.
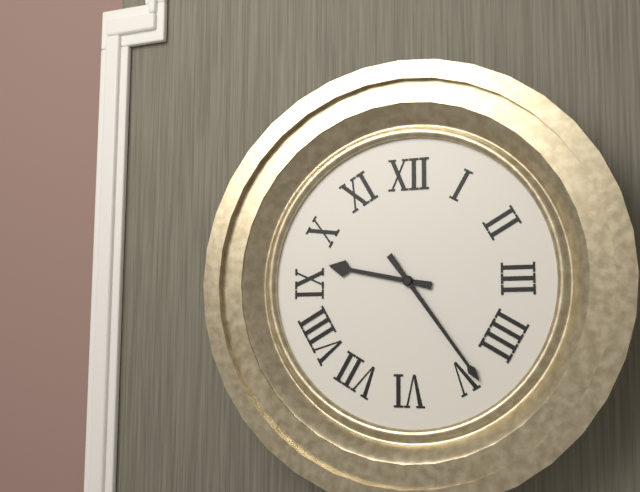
9:24
